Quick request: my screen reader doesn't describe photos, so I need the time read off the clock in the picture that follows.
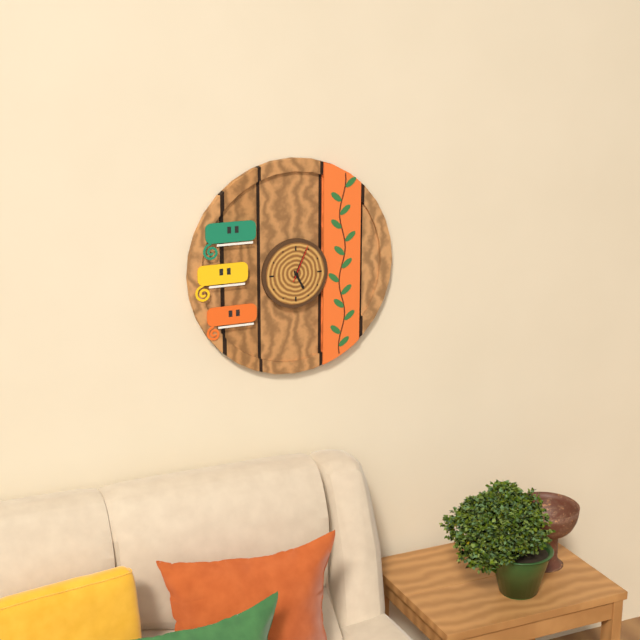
5:04
